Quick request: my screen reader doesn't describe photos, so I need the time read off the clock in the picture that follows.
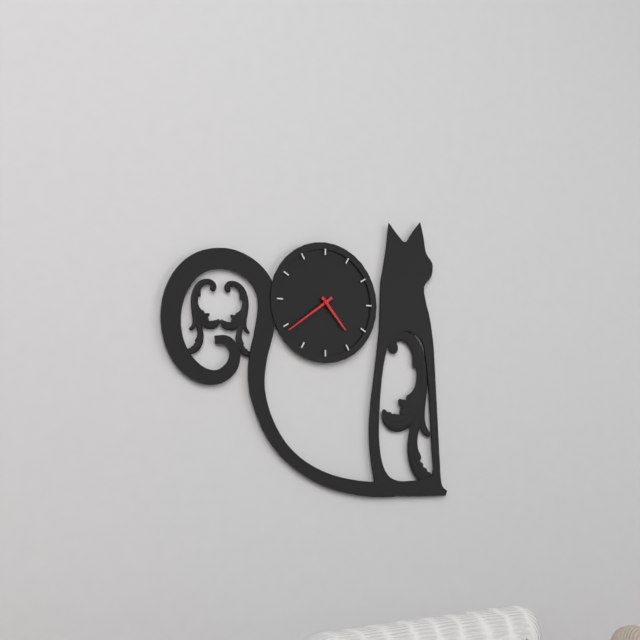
4:39
